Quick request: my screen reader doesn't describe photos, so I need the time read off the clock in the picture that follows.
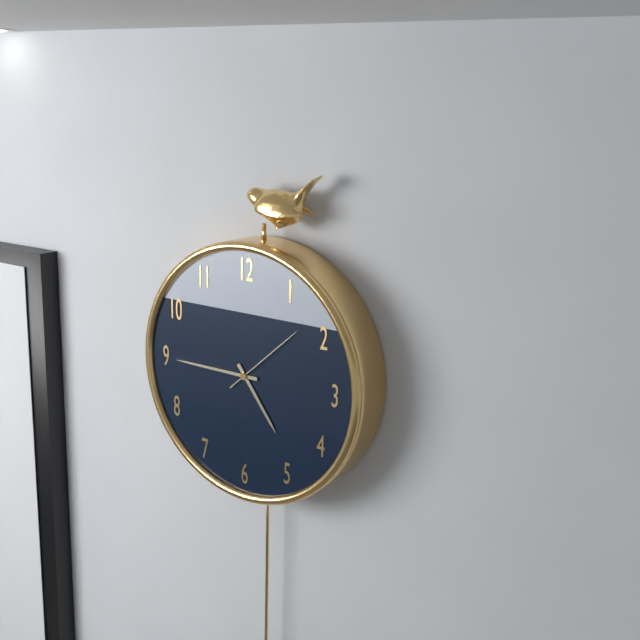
4:45:08
